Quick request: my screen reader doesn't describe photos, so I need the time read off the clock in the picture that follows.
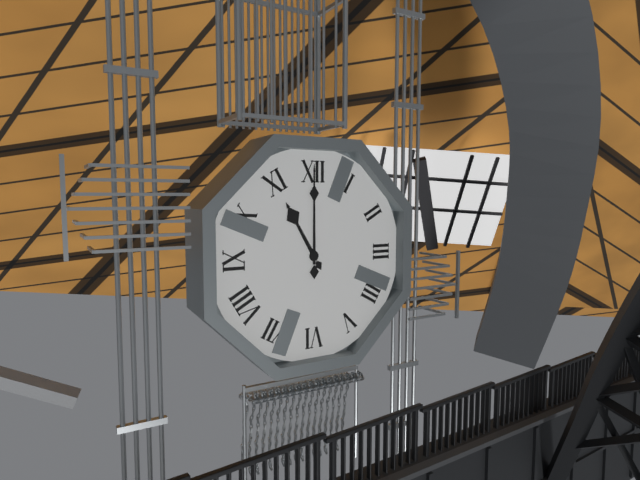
11:00
